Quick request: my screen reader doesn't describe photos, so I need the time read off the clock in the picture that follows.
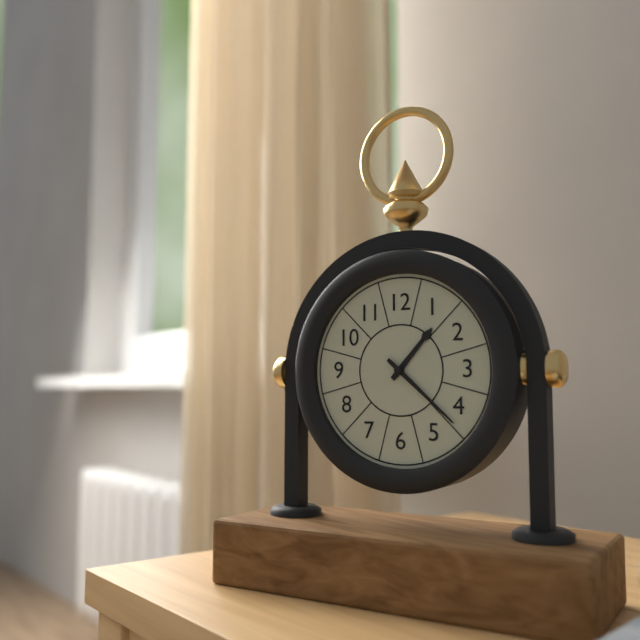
1:22
